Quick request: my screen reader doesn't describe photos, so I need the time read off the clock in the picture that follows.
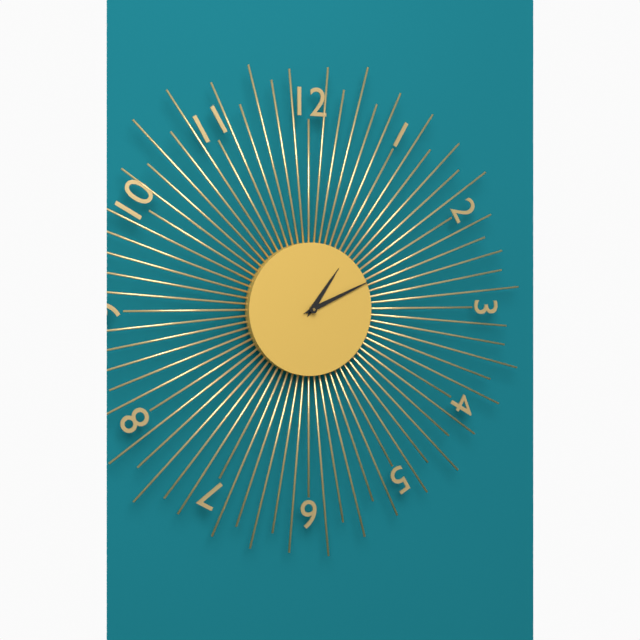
1:11
